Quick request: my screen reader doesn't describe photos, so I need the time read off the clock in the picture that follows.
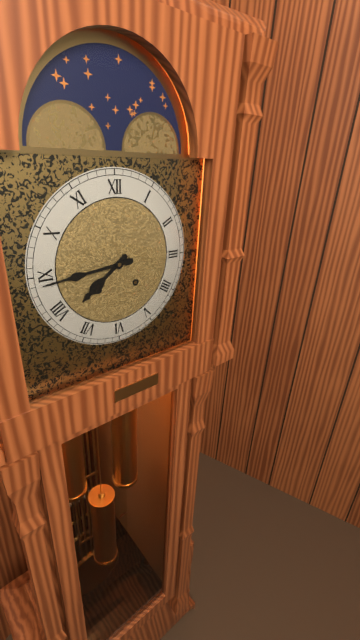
7:44
